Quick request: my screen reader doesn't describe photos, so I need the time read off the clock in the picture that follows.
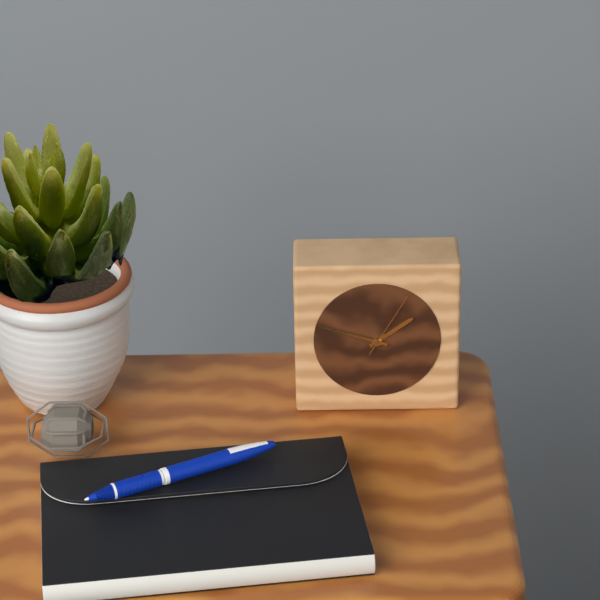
1:48:05
